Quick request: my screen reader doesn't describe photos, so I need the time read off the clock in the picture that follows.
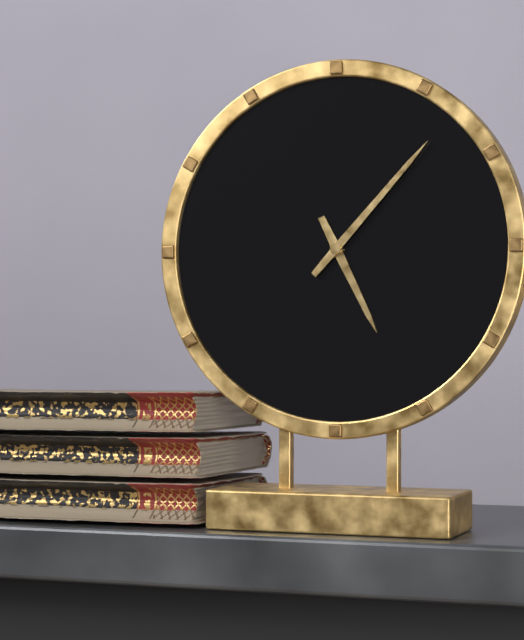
5:07
